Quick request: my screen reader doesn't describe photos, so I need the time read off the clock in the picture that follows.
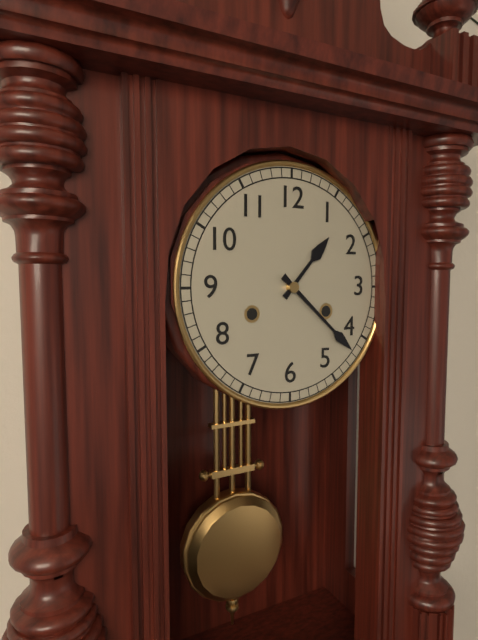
1:22
